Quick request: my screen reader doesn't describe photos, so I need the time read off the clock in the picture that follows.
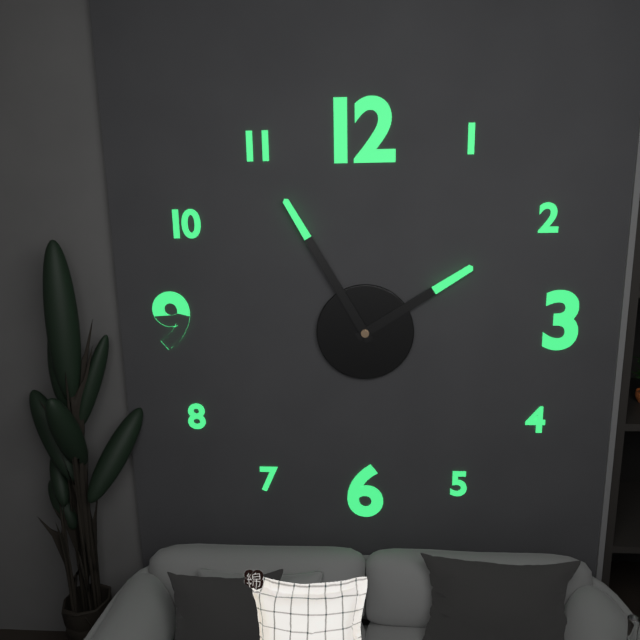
1:55
